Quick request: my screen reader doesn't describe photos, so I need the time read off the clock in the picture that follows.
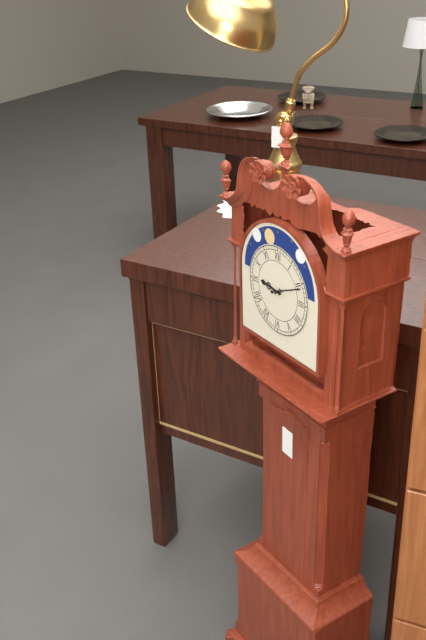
9:11
